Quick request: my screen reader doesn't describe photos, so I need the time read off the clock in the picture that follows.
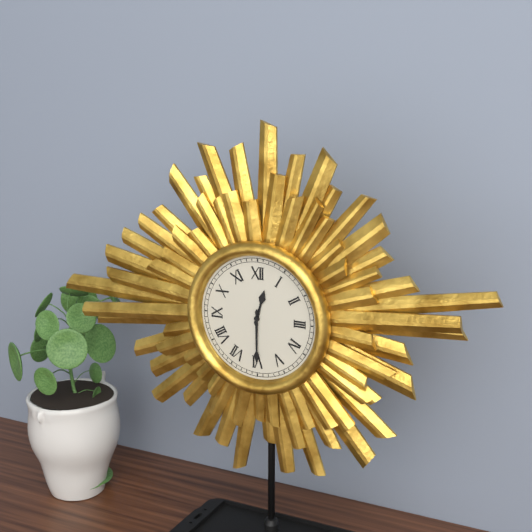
12:30
